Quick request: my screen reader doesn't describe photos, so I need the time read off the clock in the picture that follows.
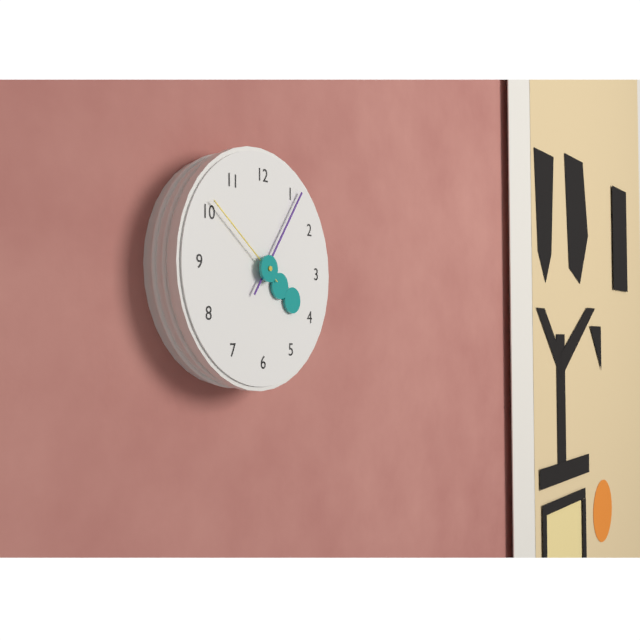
4:06:51
